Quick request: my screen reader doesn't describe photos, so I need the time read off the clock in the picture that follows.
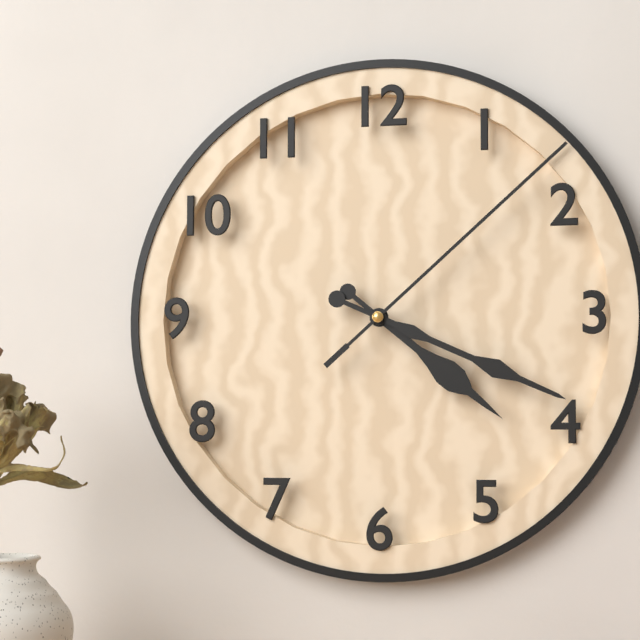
4:19:08
